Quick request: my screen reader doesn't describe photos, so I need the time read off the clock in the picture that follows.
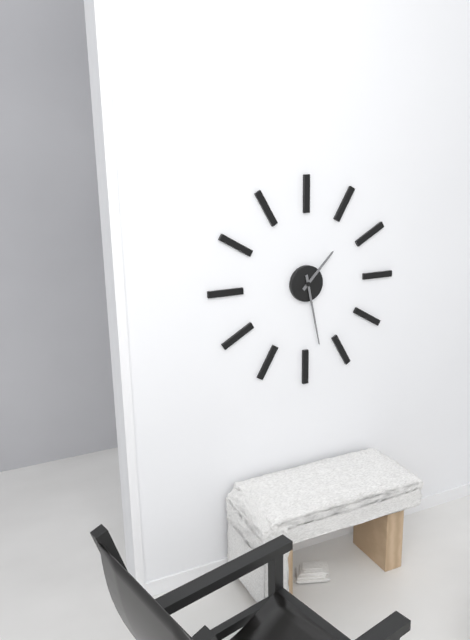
1:28
